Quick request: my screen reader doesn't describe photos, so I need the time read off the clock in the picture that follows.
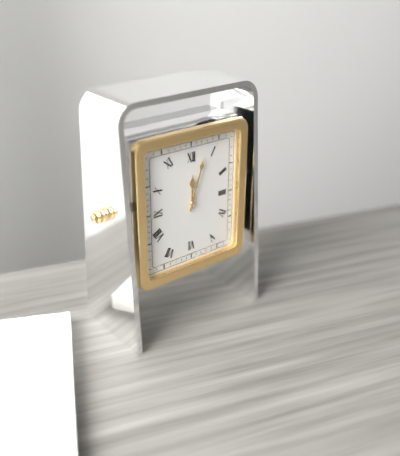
12:03
